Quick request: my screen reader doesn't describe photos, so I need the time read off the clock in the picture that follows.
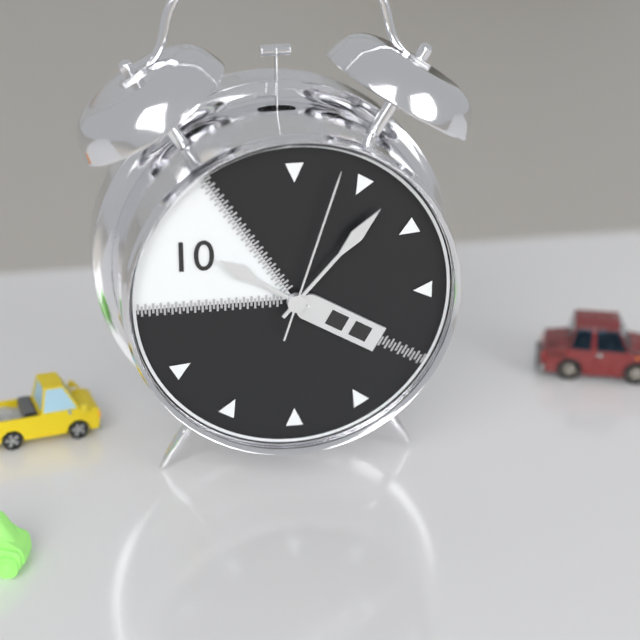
10:07:03
